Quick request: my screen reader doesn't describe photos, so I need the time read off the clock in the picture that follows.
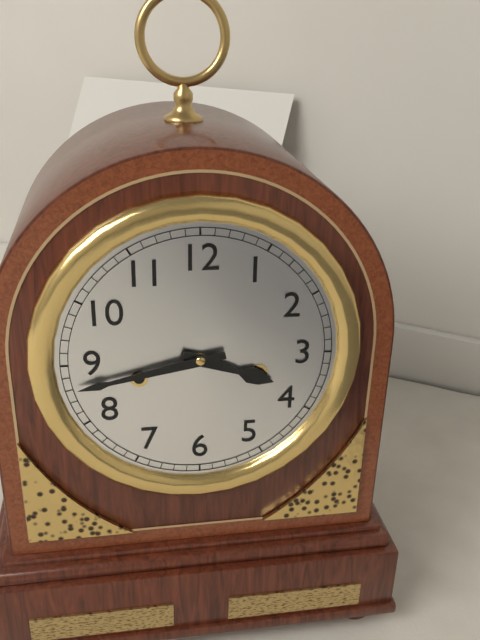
3:43
